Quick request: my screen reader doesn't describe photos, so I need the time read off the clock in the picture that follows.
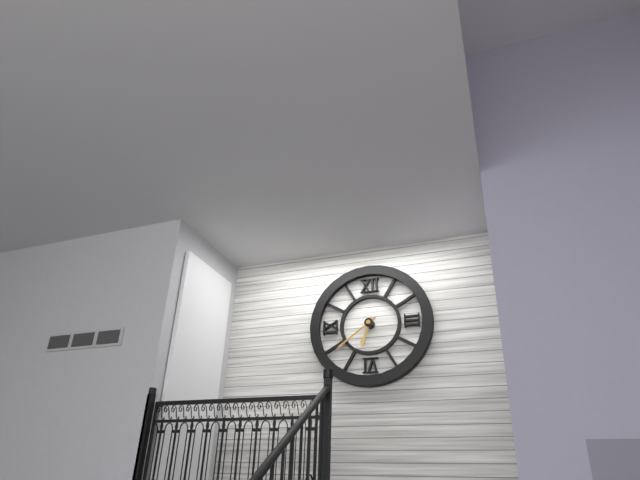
6:39
